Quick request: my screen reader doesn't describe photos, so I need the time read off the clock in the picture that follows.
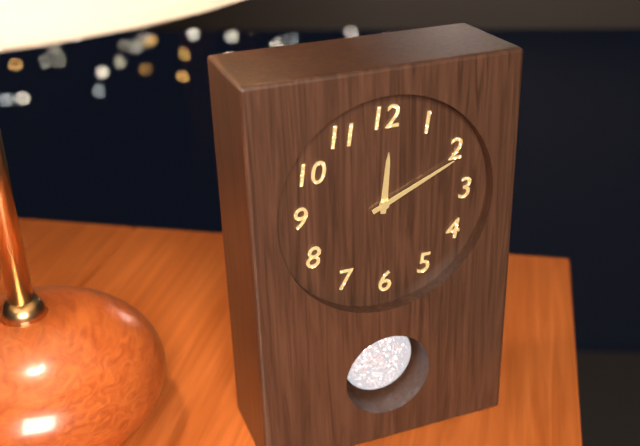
12:11
